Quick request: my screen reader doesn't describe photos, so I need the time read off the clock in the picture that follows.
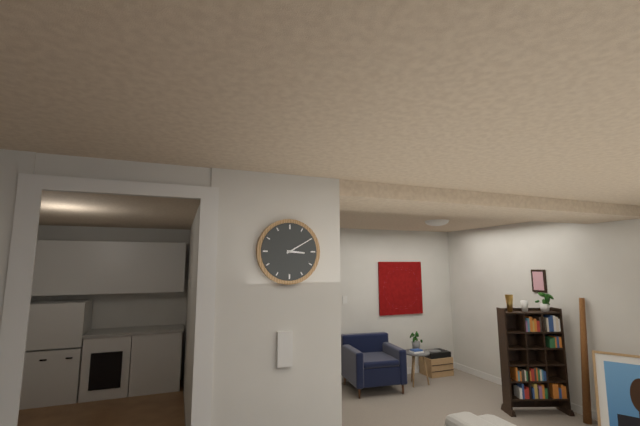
3:10
